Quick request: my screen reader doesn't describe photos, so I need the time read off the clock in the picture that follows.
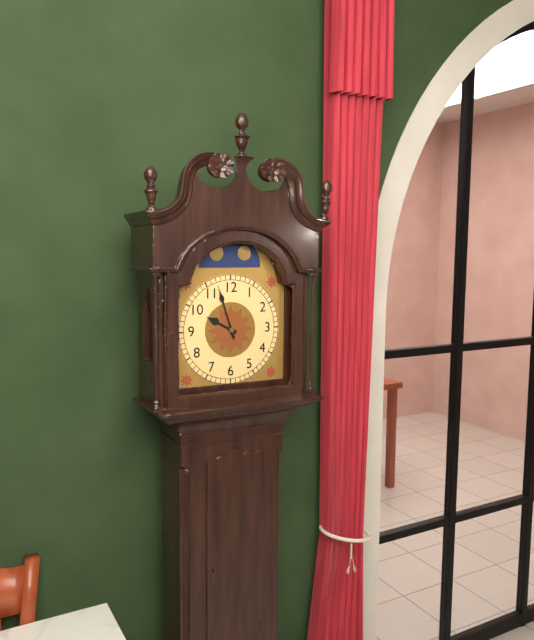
9:57
